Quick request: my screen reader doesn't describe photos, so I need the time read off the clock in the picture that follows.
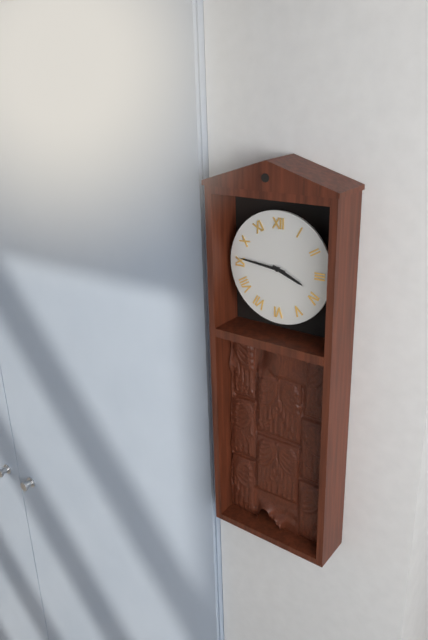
3:46
